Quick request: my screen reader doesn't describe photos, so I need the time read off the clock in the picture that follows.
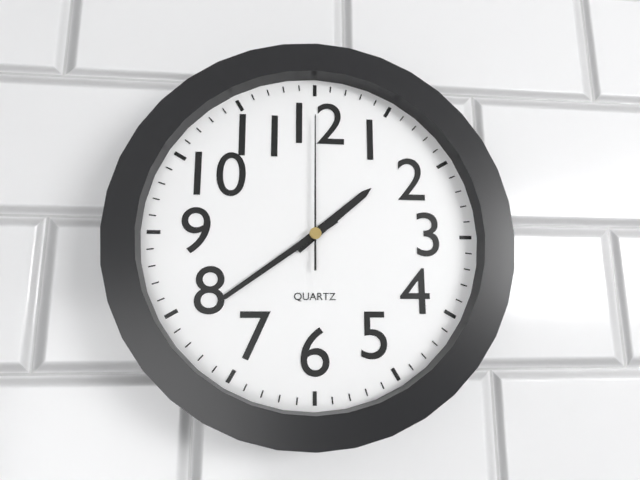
1:39:00
